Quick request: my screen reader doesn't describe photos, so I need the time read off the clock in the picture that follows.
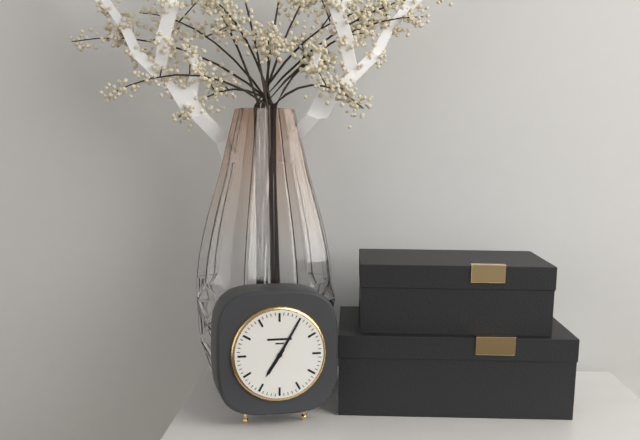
7:05
